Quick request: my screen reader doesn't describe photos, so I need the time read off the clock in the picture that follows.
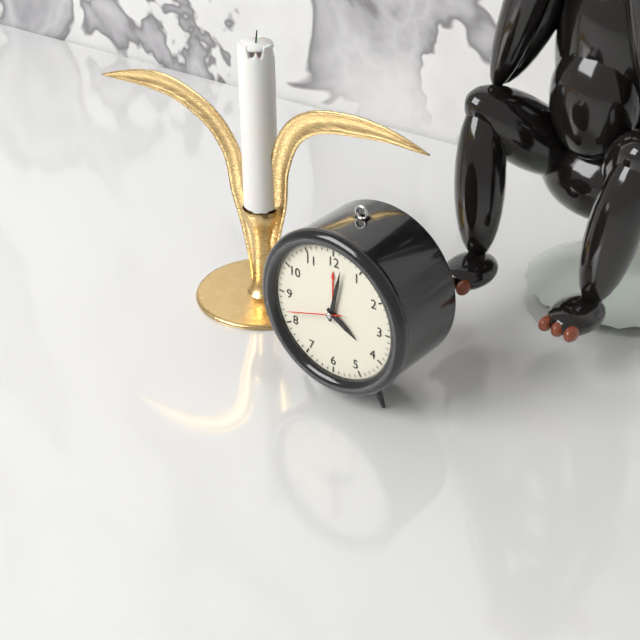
4:02:42
